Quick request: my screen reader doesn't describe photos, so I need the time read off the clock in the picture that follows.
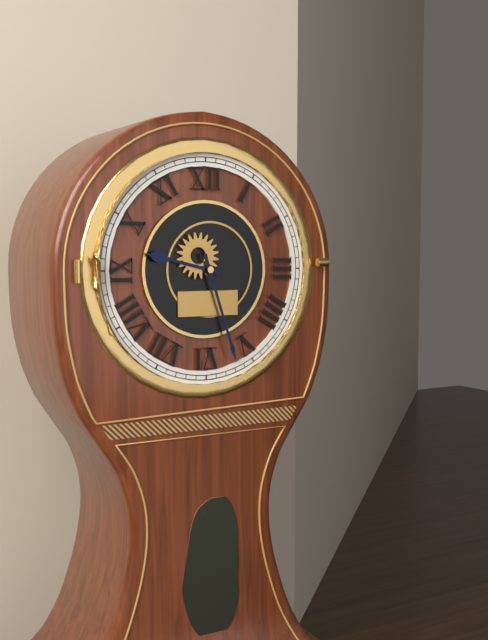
9:27
